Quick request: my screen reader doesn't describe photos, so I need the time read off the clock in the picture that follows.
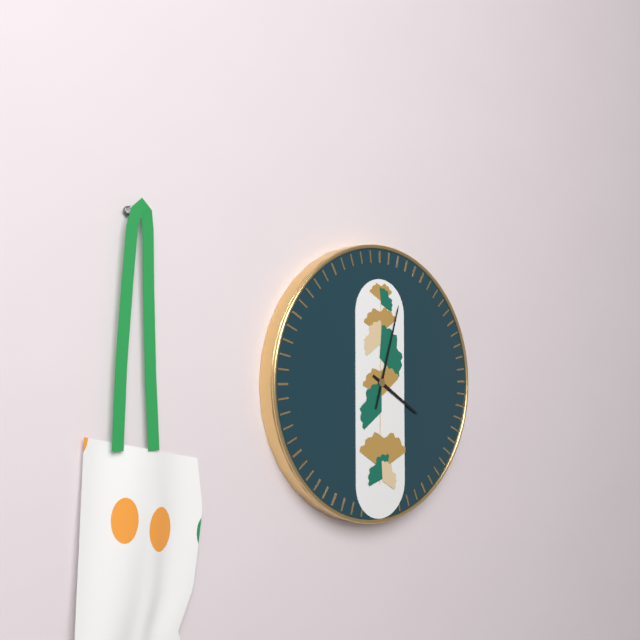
4:03
